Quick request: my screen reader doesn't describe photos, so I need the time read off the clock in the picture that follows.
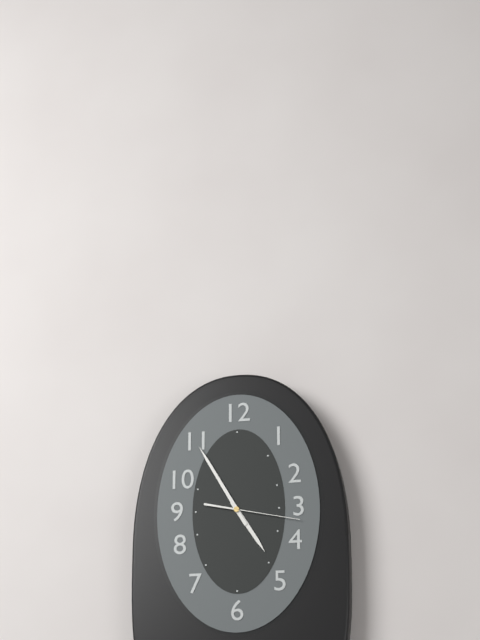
4:55:17
